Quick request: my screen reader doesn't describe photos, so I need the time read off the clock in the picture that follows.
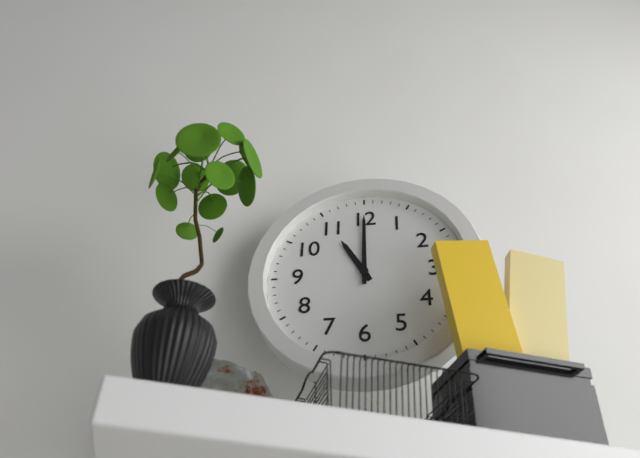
11:00
